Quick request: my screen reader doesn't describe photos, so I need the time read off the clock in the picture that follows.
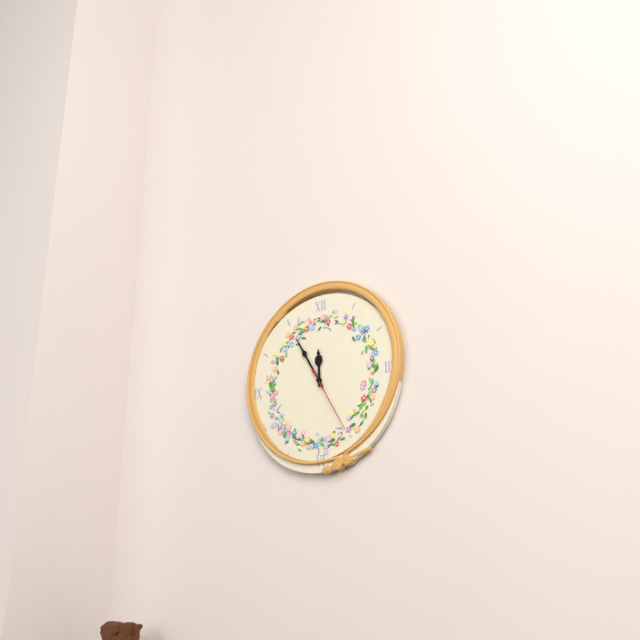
11:55:25
